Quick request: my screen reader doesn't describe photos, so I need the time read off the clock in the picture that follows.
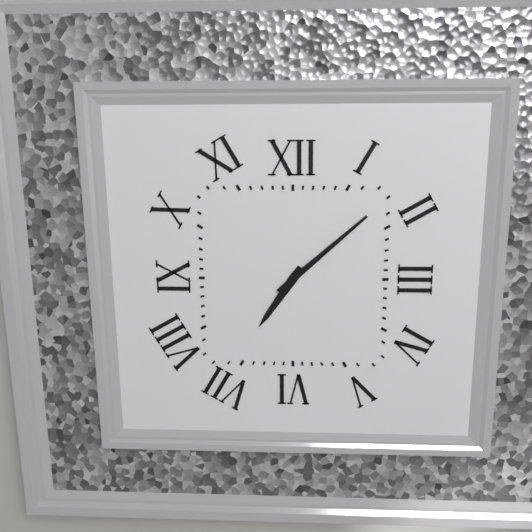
7:08
